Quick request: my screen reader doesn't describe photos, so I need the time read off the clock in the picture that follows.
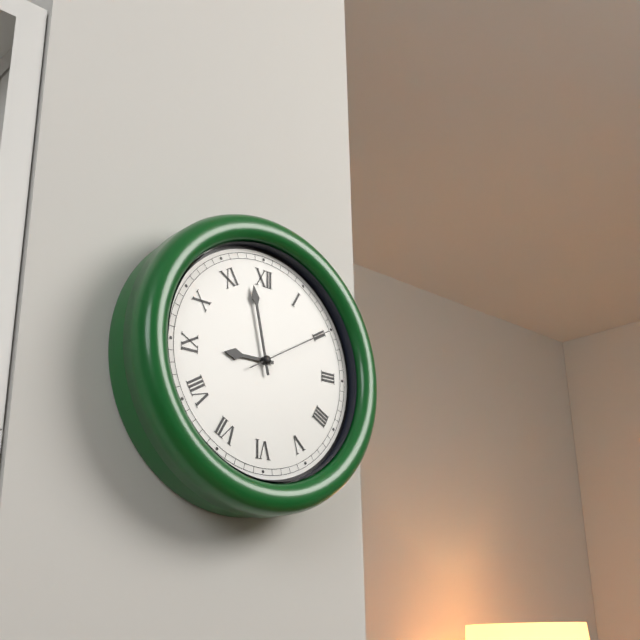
8:58:10
